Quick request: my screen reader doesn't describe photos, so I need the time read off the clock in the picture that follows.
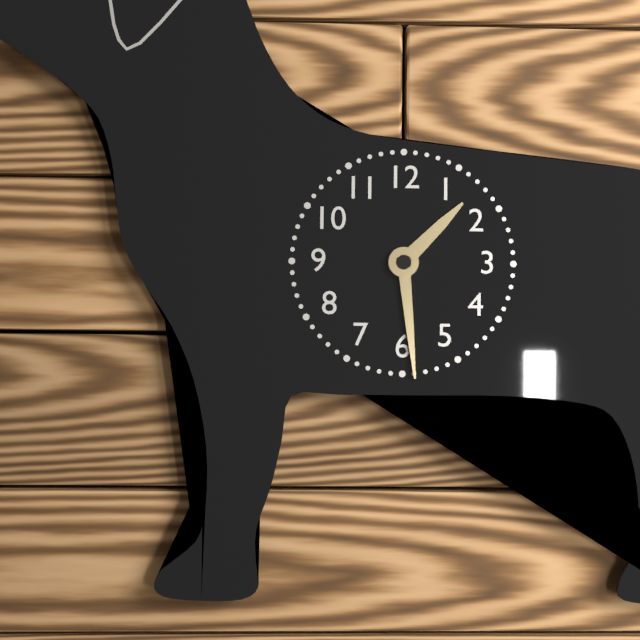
1:29
